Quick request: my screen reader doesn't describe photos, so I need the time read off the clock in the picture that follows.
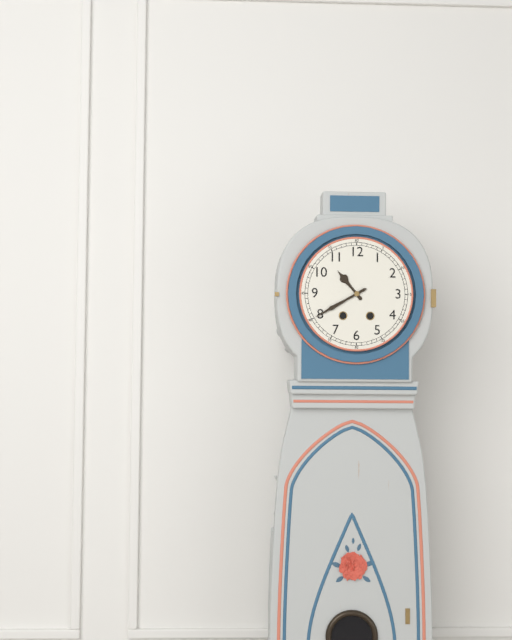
10:40
